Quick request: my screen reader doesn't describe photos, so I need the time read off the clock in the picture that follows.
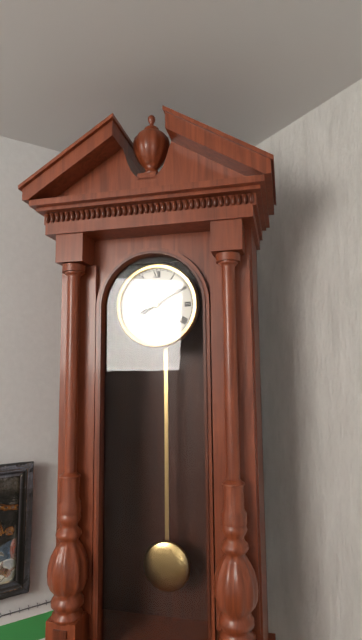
8:10
